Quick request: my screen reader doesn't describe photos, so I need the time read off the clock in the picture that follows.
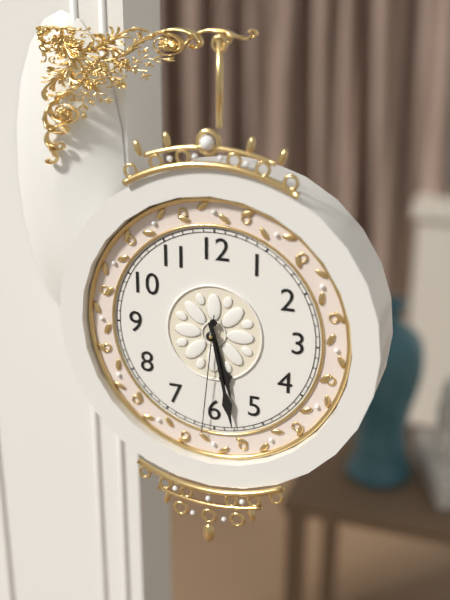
5:28:31
